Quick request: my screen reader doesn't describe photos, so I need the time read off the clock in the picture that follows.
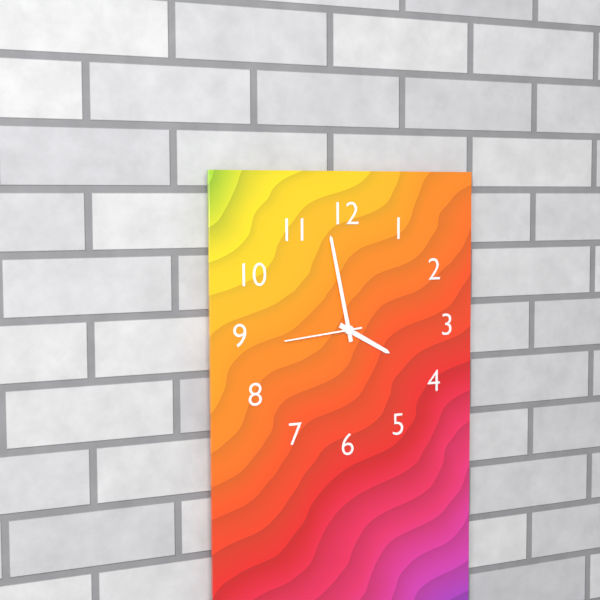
3:58:44
